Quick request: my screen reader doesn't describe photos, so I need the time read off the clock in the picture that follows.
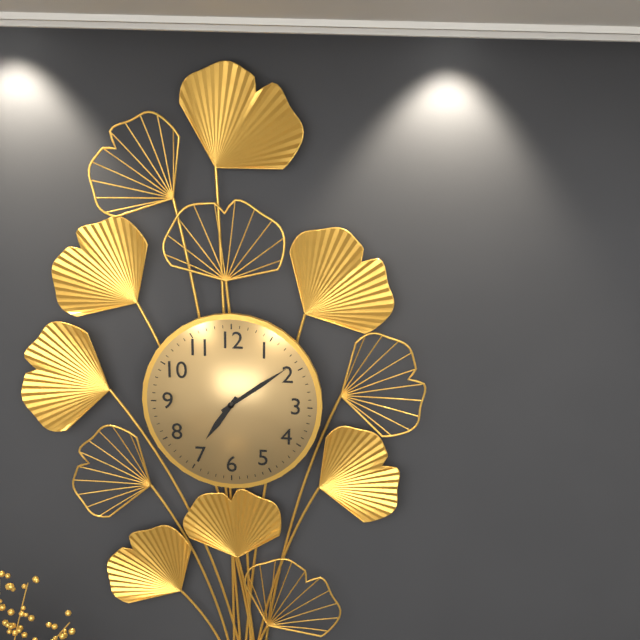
7:09
